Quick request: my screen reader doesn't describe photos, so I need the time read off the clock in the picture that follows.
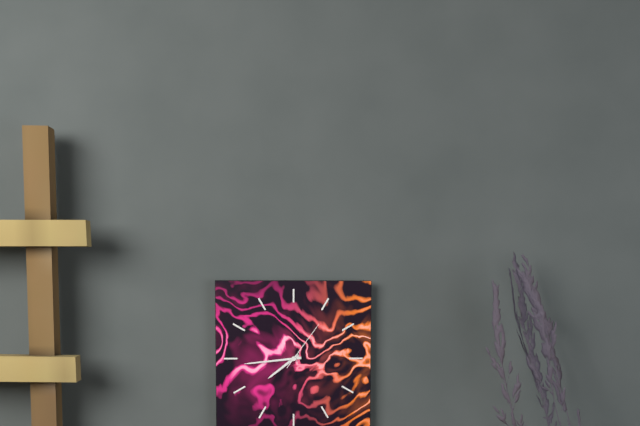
7:44:06
